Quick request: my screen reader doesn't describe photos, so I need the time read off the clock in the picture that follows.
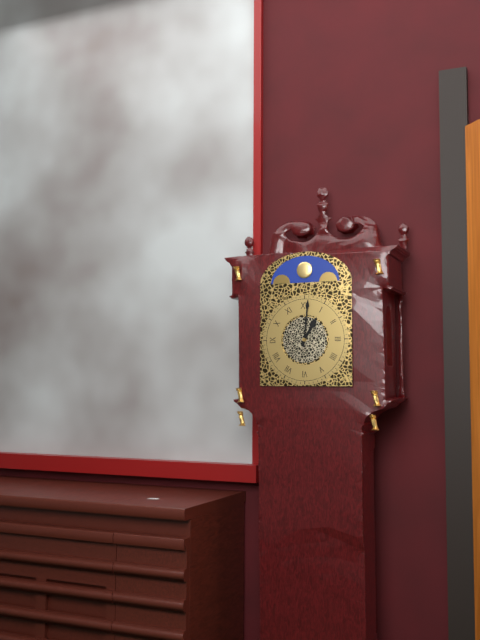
1:01
